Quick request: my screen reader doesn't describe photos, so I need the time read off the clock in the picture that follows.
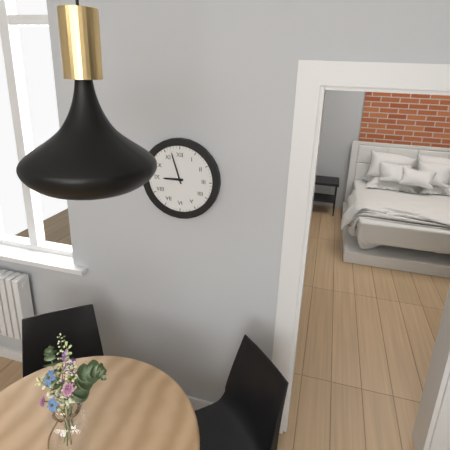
8:57
